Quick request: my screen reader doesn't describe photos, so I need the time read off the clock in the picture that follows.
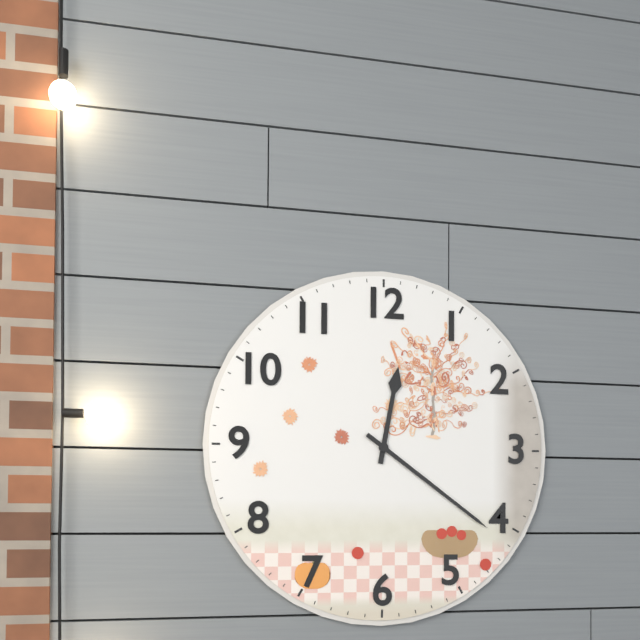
12:21
